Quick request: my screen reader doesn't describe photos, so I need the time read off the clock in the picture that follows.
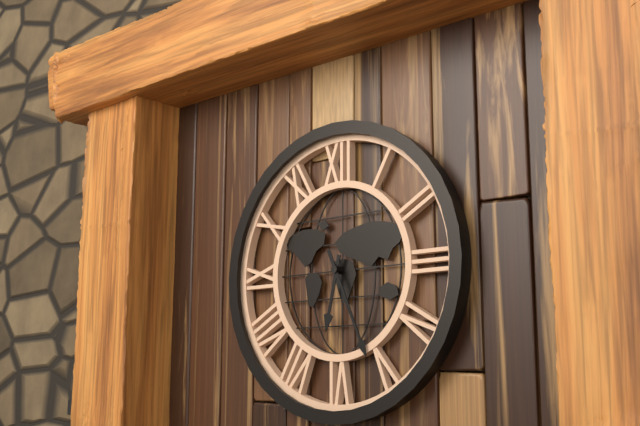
6:26
